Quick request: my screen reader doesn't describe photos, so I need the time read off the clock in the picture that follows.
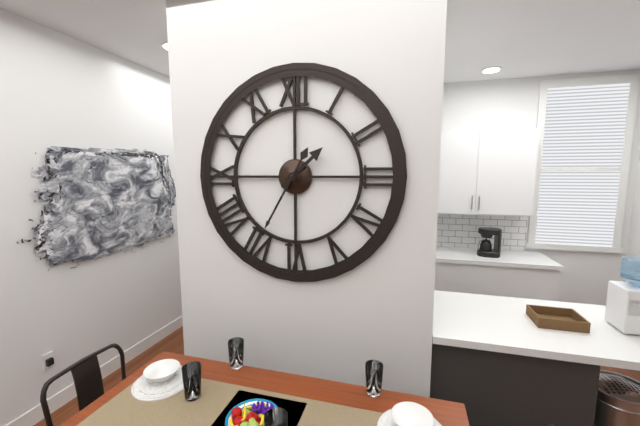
1:35
